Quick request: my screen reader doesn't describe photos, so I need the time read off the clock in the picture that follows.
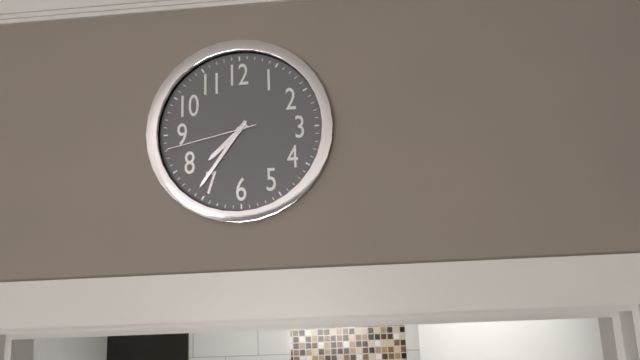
7:36:43
